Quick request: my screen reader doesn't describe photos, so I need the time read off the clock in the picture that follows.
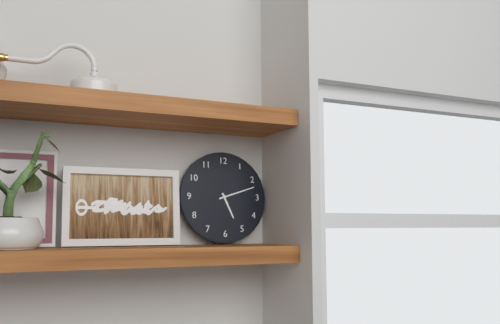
5:12
